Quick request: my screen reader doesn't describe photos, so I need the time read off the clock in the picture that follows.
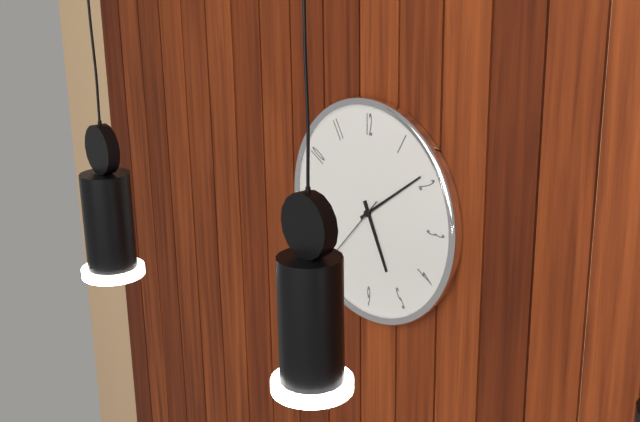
5:09:37
